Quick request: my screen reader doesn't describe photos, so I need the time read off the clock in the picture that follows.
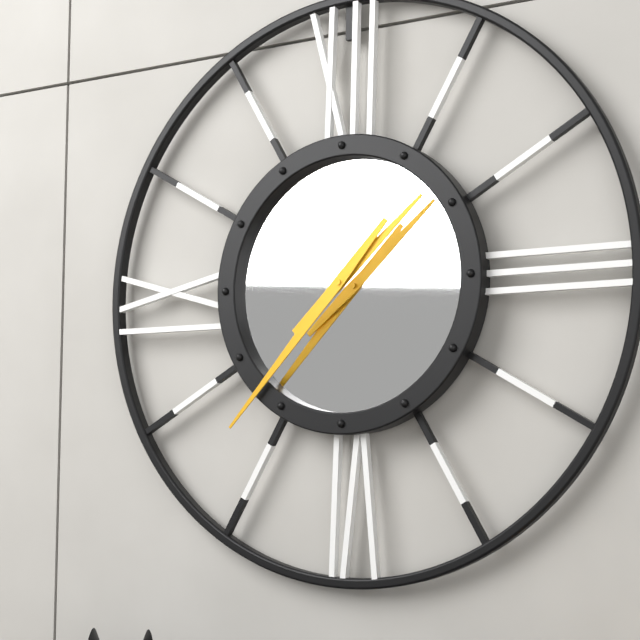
1:37
